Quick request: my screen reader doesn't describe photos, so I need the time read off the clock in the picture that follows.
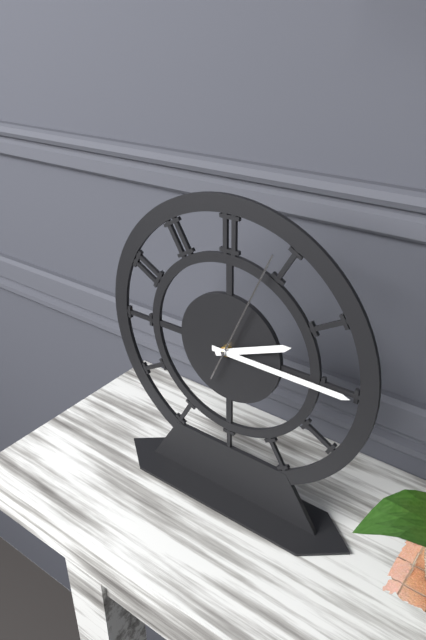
2:15:04
